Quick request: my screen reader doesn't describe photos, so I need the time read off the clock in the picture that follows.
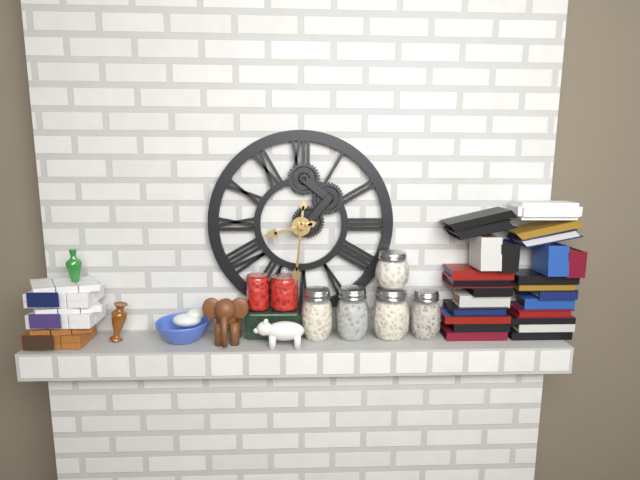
8:31
